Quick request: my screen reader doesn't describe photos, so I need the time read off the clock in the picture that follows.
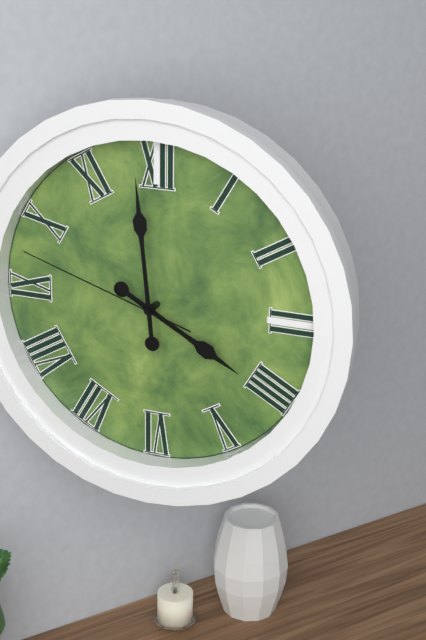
3:59:48
